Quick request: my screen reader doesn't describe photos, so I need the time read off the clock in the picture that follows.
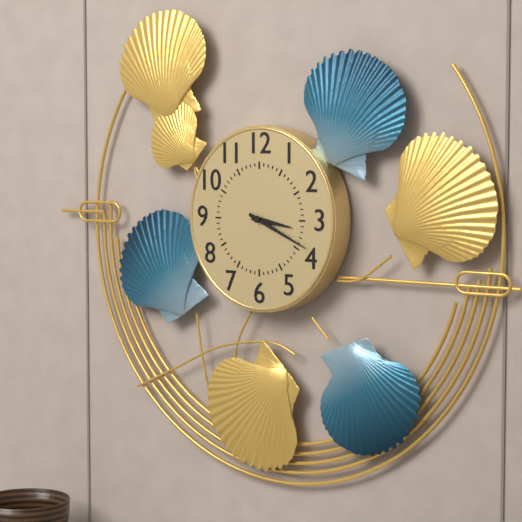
3:19
